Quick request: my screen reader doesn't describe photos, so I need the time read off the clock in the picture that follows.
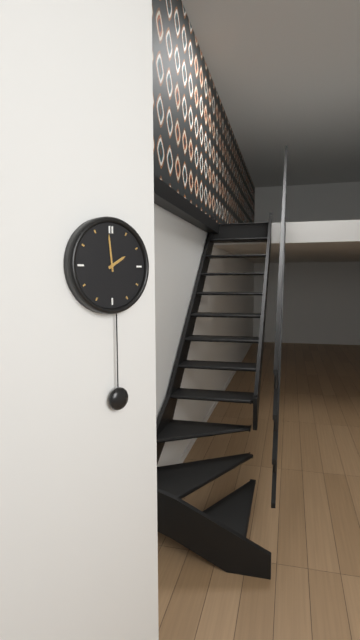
1:59
